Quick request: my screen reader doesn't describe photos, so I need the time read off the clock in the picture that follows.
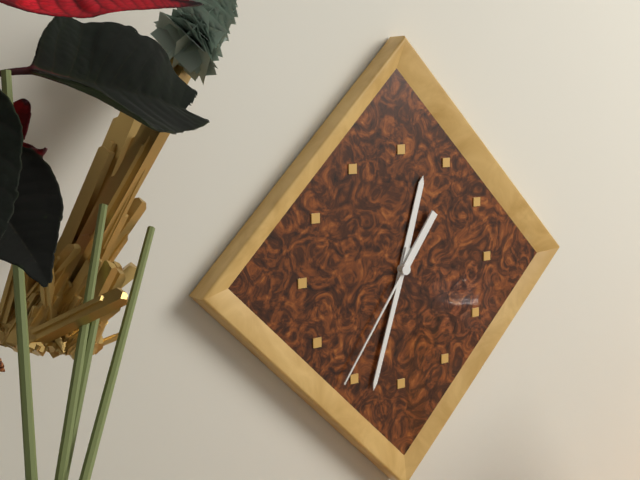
12:33:36
